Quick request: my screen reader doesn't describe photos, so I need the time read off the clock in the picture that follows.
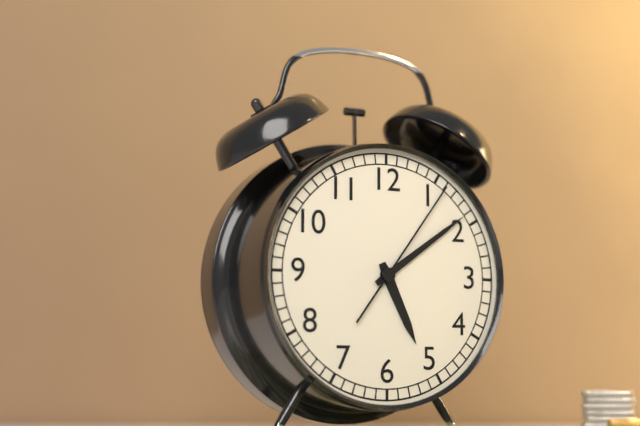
5:09:06
